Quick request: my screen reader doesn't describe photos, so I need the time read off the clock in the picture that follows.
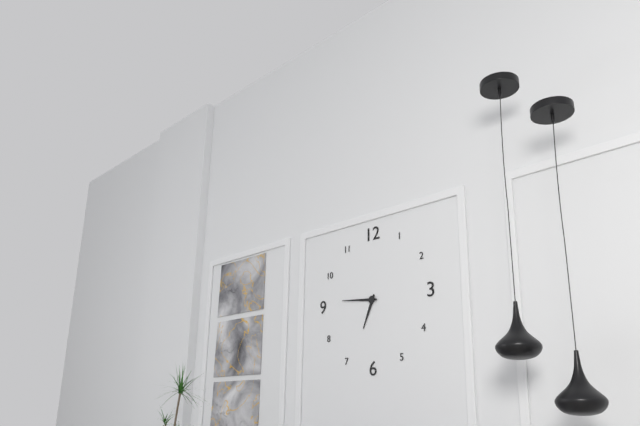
6:46
